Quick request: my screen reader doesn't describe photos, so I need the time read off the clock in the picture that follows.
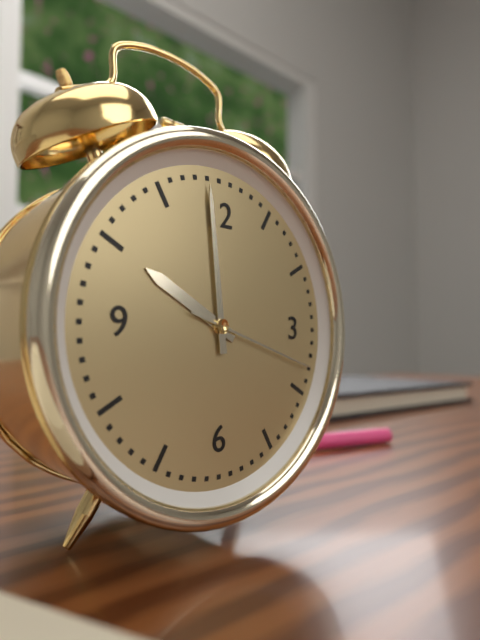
9:59:18
